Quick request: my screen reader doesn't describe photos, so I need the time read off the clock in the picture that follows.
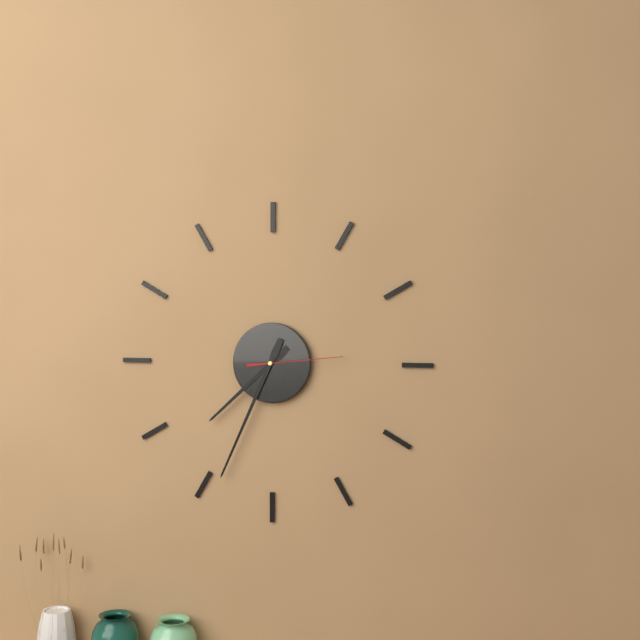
7:34:14
